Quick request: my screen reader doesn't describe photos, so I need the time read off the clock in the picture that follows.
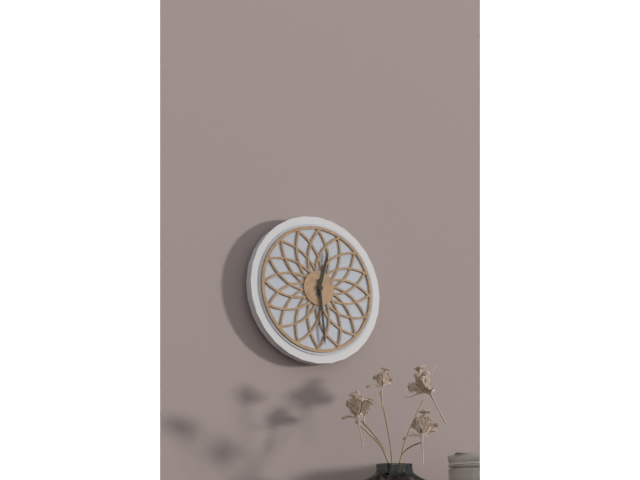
12:29
